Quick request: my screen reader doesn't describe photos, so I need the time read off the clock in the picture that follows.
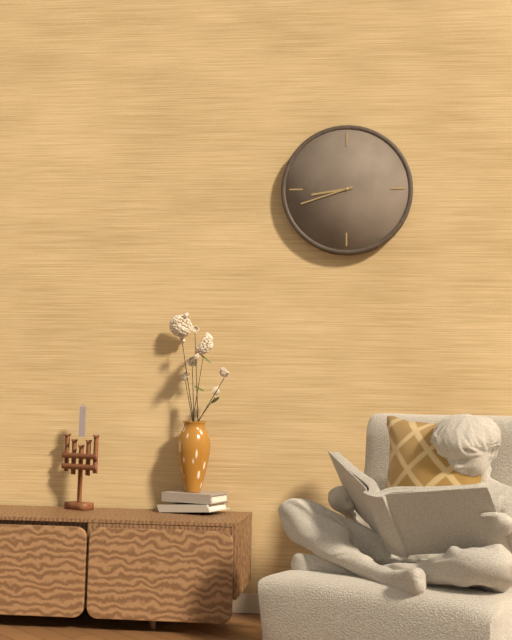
8:42
